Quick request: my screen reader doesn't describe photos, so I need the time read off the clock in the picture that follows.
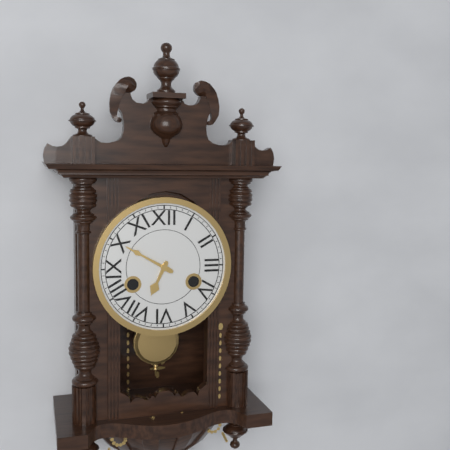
6:50
